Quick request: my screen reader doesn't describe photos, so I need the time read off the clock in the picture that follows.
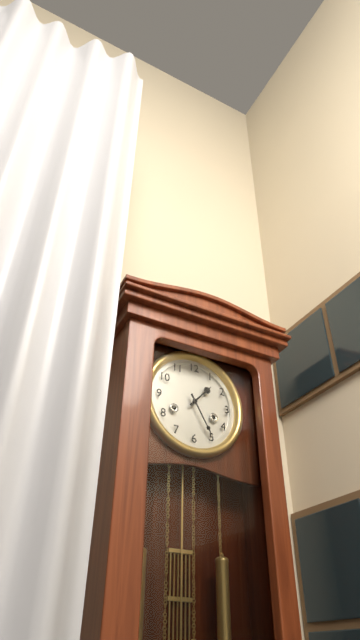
1:25
